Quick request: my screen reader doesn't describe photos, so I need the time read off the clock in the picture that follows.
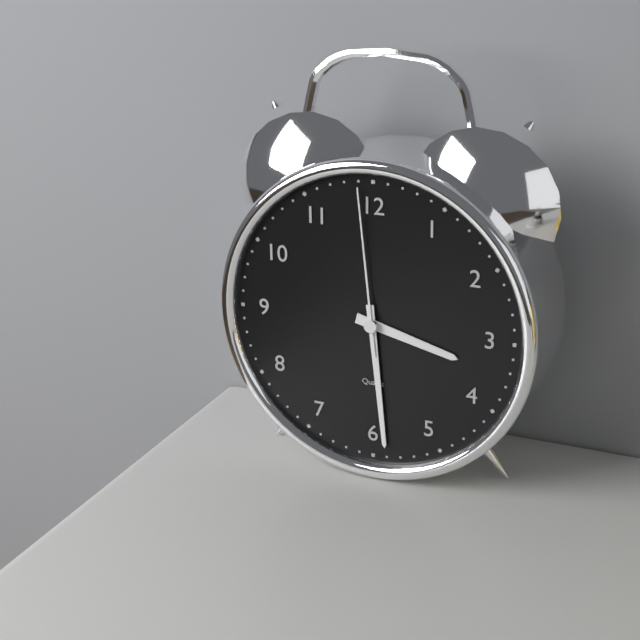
3:29:59
